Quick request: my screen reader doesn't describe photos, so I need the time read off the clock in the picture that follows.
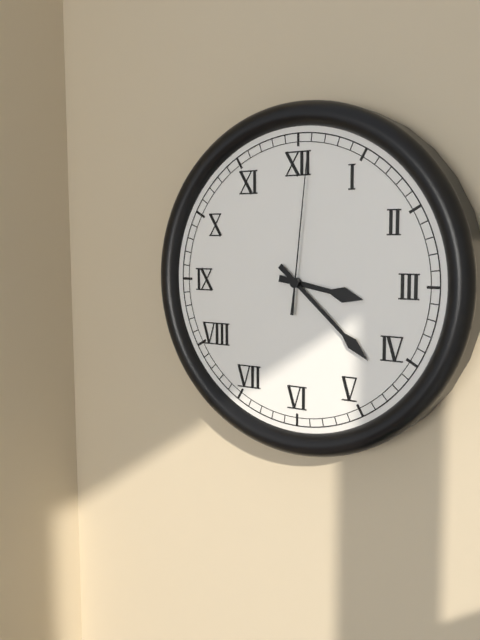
3:22:01
